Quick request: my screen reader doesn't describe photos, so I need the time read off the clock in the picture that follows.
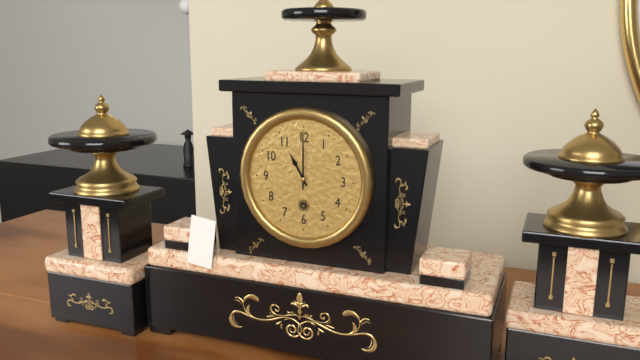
11:00
